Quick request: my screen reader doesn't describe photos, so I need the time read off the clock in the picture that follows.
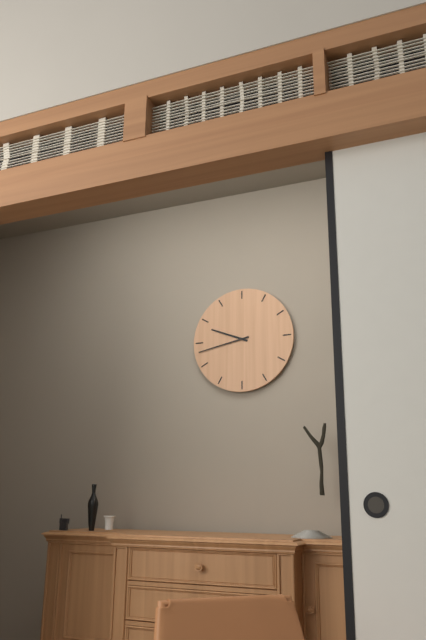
9:43
